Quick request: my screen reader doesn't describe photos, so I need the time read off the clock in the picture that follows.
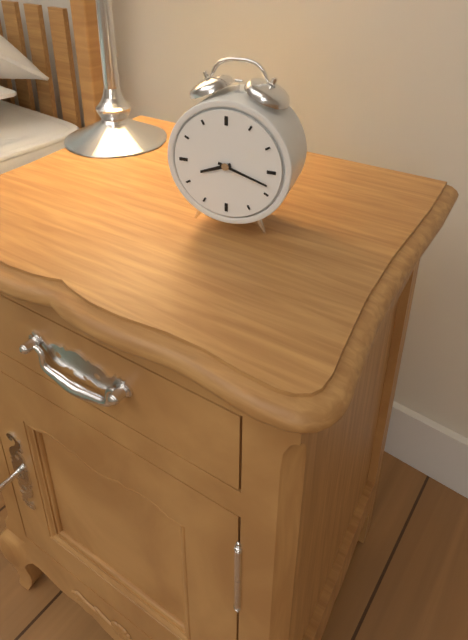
8:18
